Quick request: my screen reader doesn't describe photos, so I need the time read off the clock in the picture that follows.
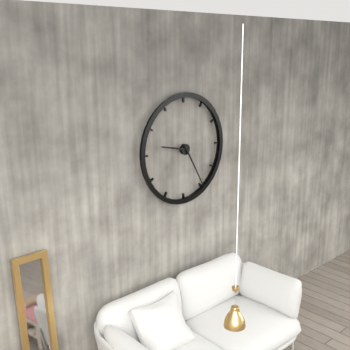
9:25
